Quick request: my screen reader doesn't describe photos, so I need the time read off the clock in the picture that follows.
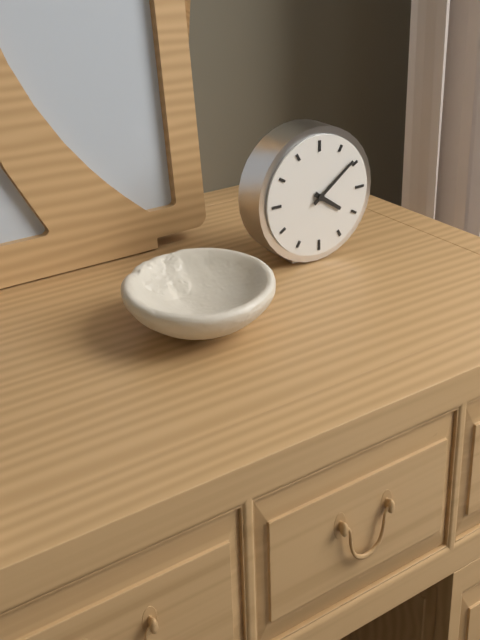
4:09
